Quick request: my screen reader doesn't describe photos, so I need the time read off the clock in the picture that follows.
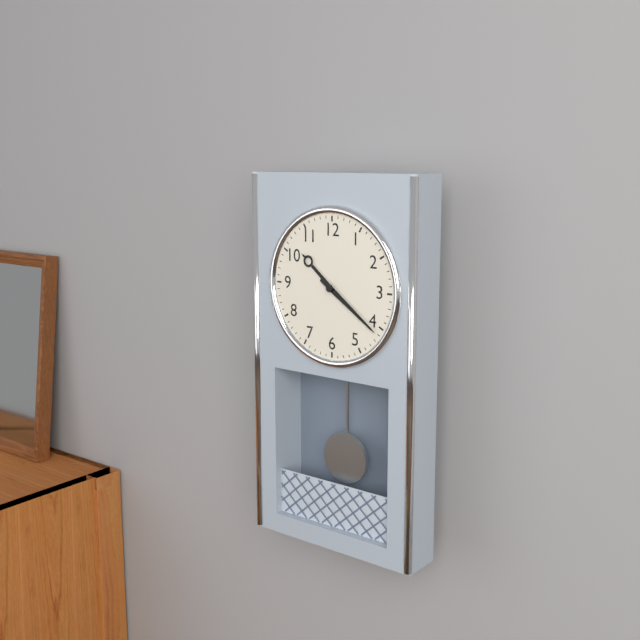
10:21
